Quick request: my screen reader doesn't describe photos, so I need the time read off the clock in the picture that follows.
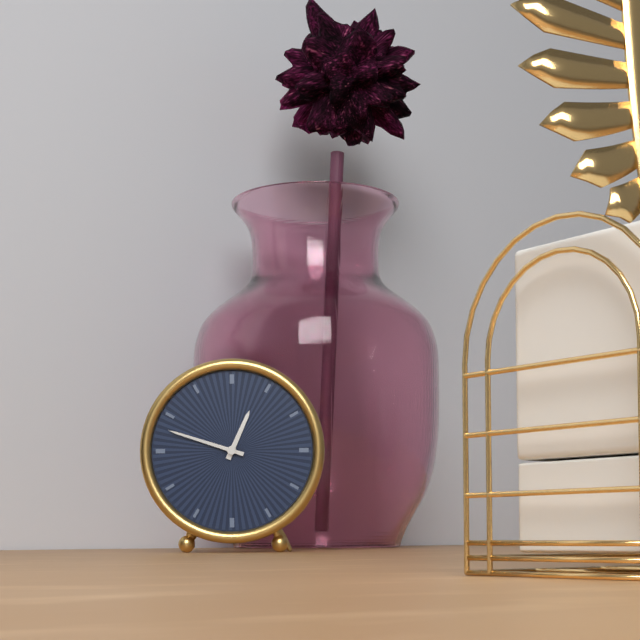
12:48
